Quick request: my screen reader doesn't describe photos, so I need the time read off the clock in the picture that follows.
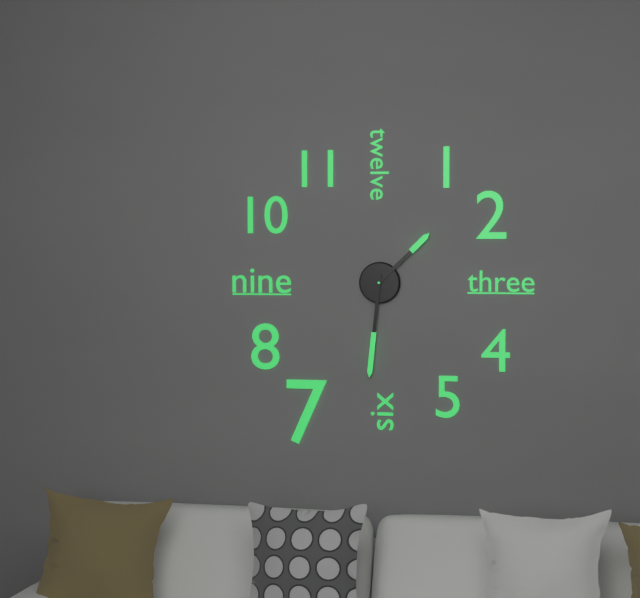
1:31
